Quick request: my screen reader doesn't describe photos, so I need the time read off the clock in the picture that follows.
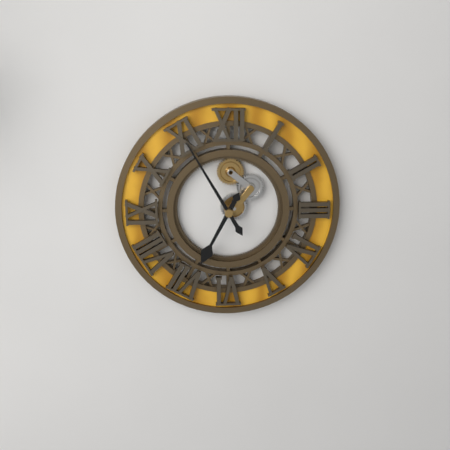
6:55
